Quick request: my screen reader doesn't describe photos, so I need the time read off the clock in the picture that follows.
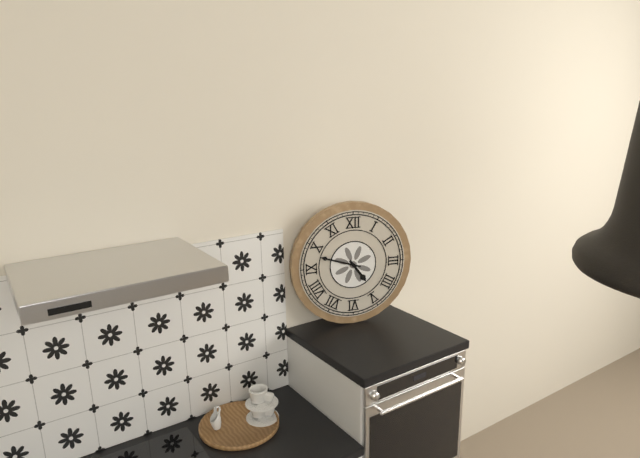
4:48
